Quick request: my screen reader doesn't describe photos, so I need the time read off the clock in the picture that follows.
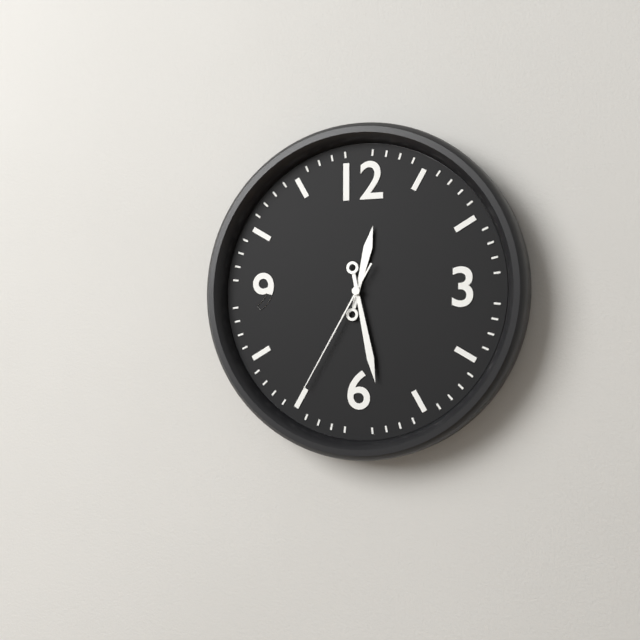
12:28:35
